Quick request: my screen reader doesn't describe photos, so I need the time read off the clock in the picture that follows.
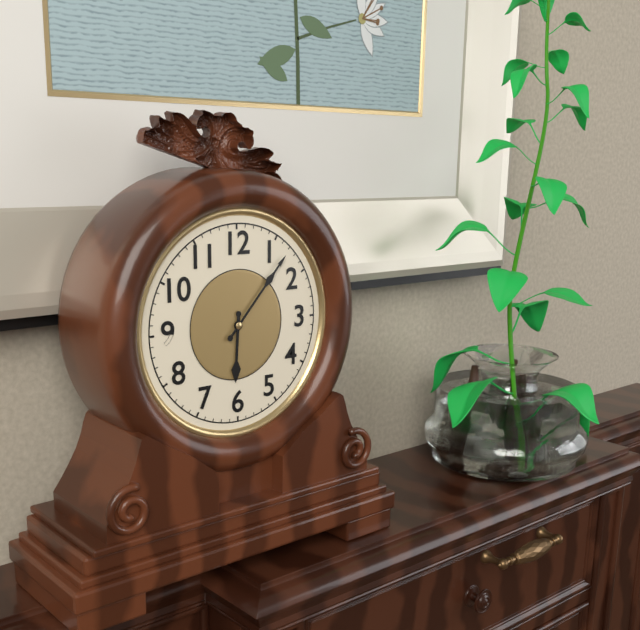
6:07
